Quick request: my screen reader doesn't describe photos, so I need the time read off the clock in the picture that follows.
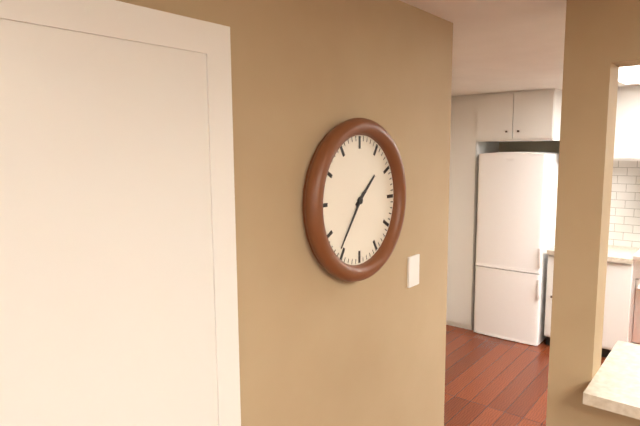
1:36
